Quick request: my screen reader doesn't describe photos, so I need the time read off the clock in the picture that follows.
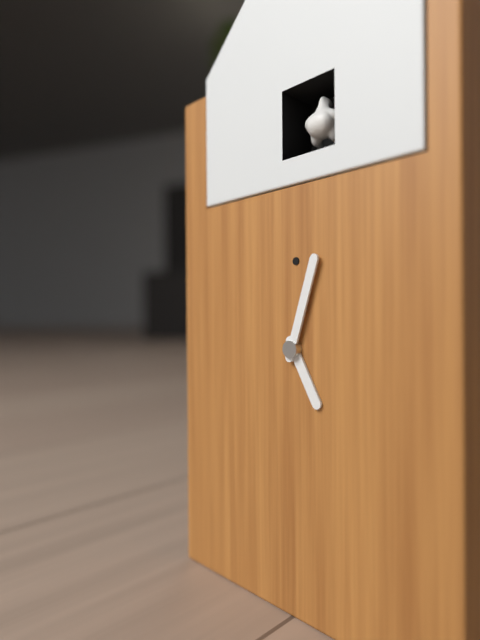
5:03
